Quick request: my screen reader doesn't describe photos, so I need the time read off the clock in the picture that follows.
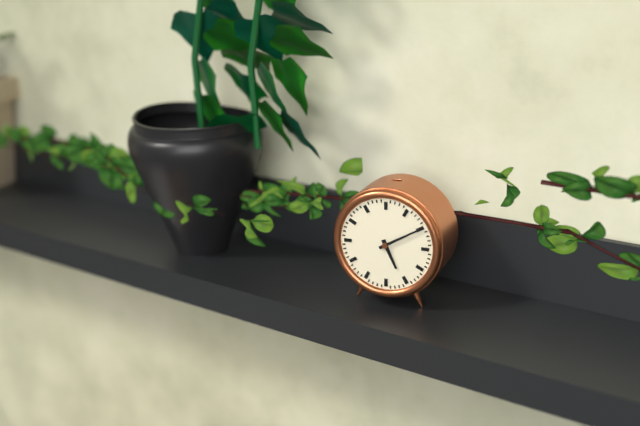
5:10
